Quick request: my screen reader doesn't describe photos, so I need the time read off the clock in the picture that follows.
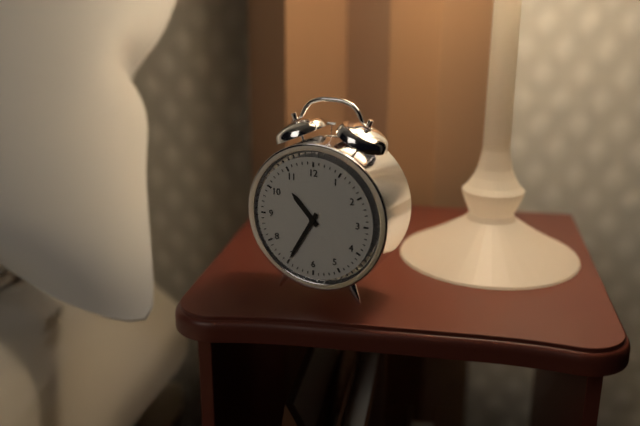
10:35
